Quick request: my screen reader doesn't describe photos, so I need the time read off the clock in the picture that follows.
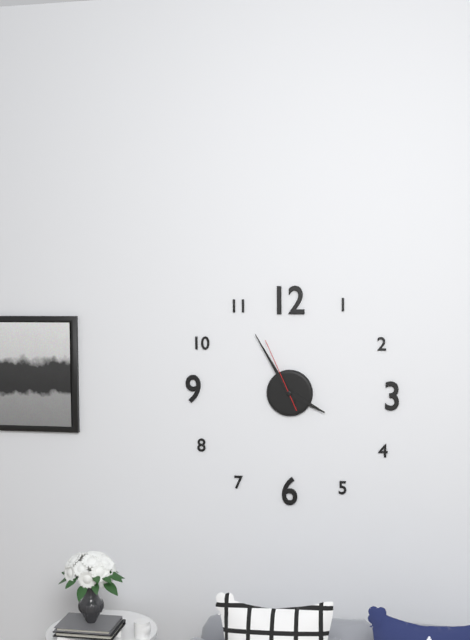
3:55:56
